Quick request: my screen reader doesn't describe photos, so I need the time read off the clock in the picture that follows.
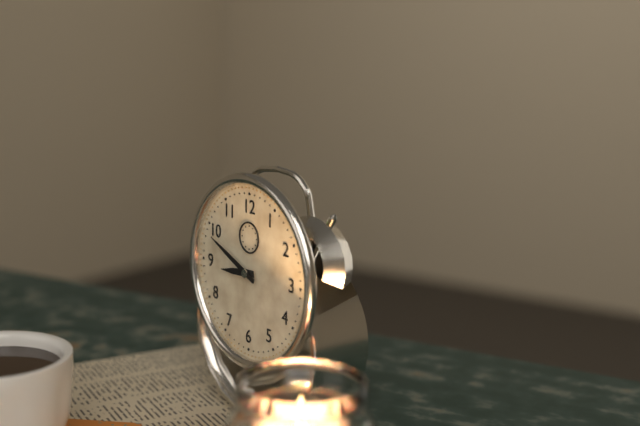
8:49
